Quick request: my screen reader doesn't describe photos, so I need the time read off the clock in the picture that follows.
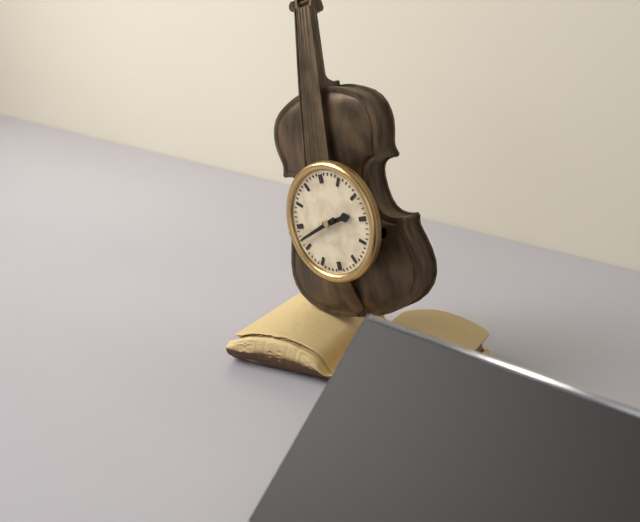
2:42
